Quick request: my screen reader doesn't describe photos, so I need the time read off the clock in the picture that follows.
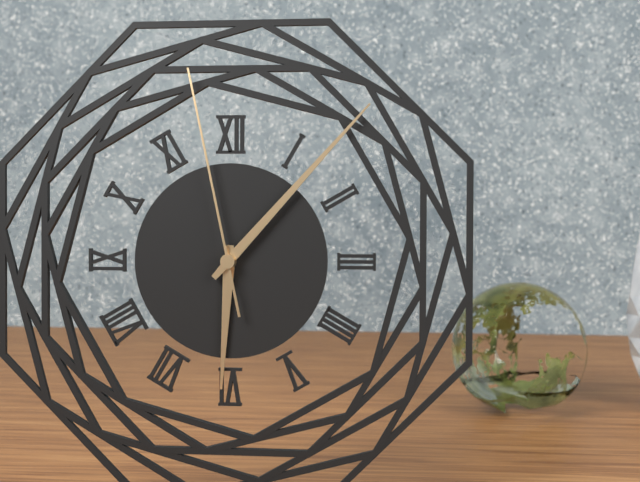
6:07:58
